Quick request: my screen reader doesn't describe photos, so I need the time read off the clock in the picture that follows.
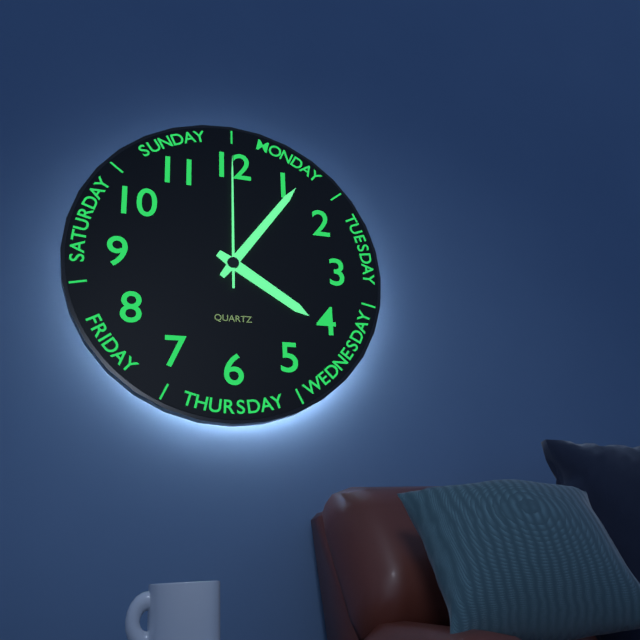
4:06:00
